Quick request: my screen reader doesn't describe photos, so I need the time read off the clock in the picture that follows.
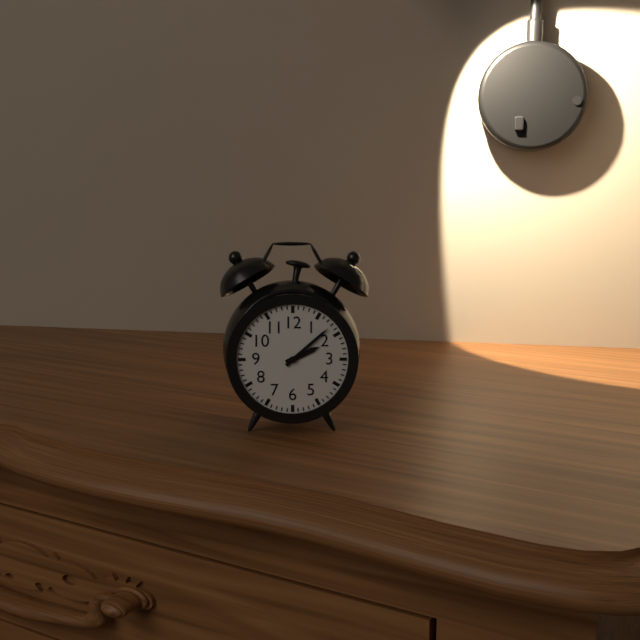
2:08
